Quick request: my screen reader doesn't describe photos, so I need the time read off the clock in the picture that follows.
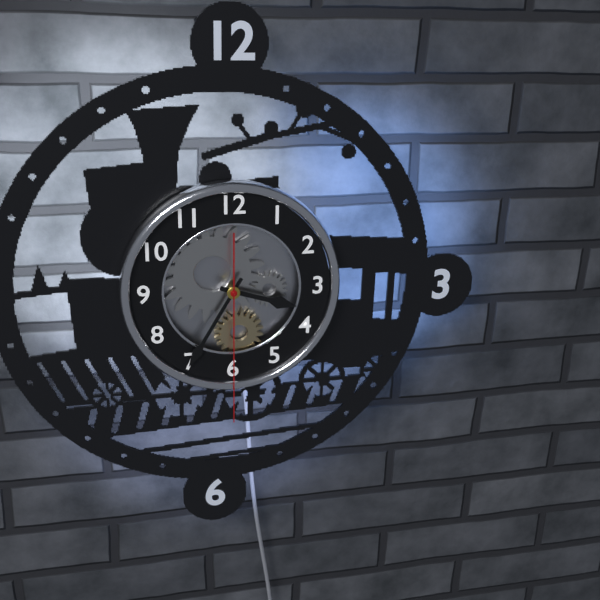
3:35:30
